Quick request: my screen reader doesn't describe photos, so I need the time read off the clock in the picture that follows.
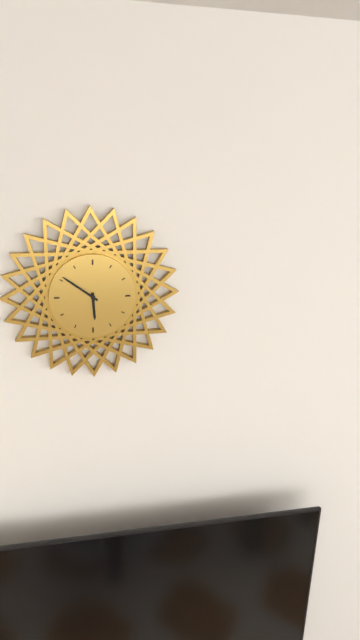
5:51
